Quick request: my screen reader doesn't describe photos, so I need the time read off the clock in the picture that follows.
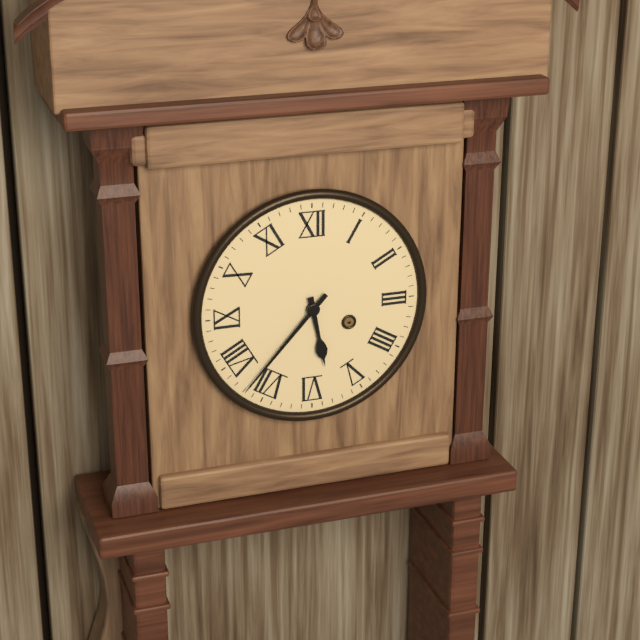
5:37
